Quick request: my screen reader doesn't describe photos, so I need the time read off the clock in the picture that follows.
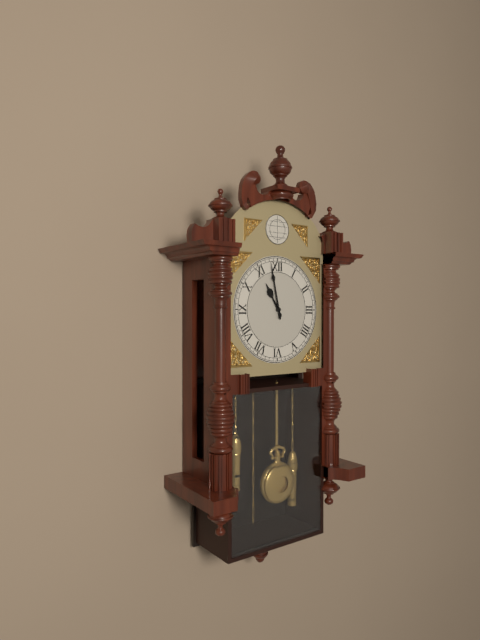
10:58
